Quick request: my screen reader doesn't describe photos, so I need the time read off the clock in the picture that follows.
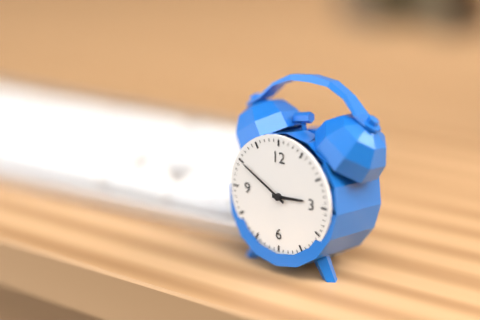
2:50
